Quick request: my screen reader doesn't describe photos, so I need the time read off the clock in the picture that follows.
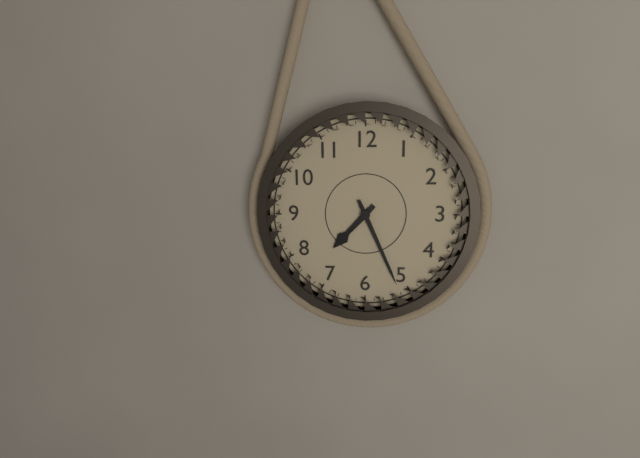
7:26
